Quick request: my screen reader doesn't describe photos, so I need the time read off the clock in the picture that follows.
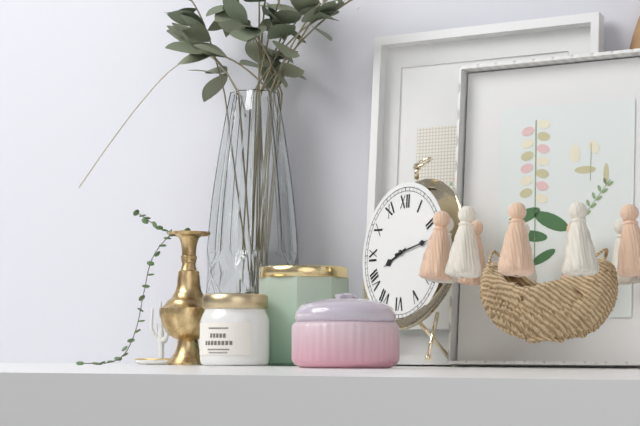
8:13
